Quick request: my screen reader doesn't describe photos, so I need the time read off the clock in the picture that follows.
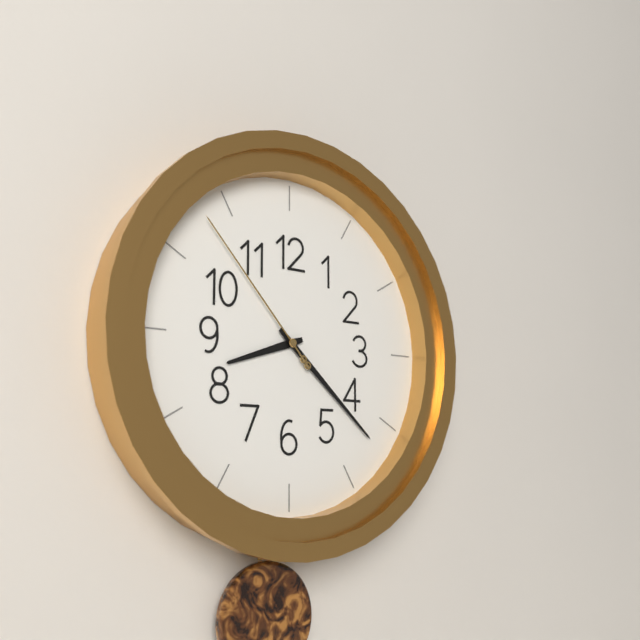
8:22:53
